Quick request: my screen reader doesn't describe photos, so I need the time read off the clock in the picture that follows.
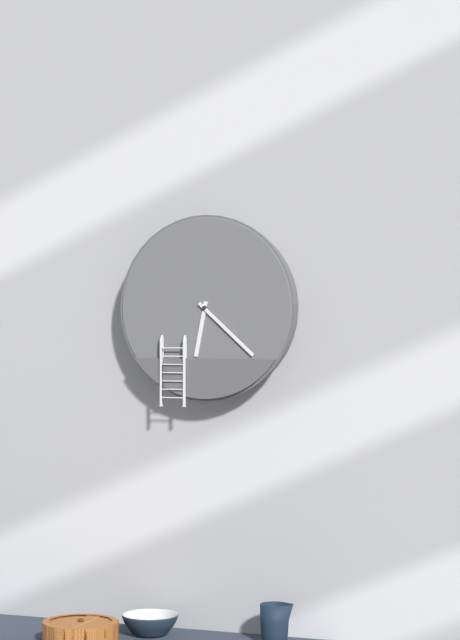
6:22
